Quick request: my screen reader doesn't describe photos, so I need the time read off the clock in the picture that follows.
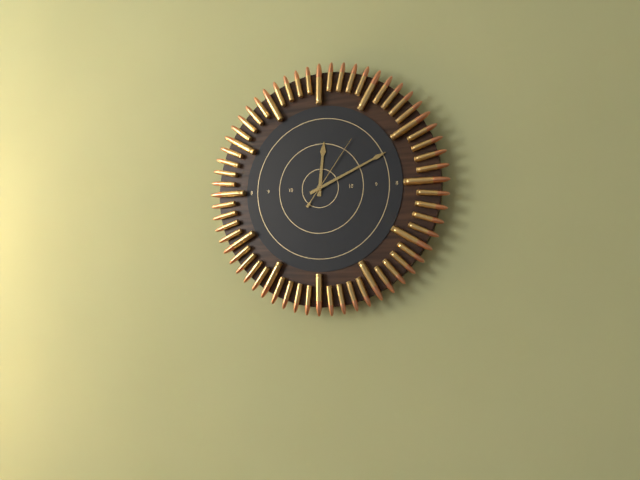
12:11:06
